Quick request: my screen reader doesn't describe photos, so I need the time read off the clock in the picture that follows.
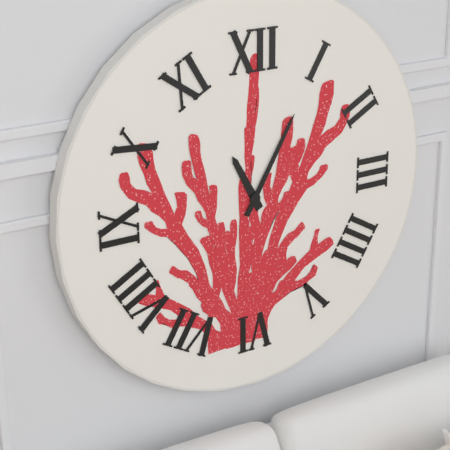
11:05
